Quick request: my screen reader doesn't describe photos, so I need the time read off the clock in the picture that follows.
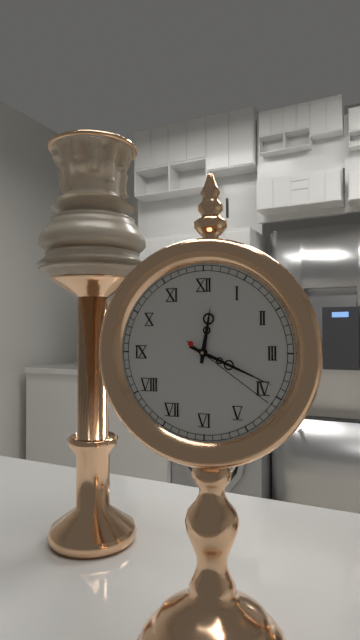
12:19:21
